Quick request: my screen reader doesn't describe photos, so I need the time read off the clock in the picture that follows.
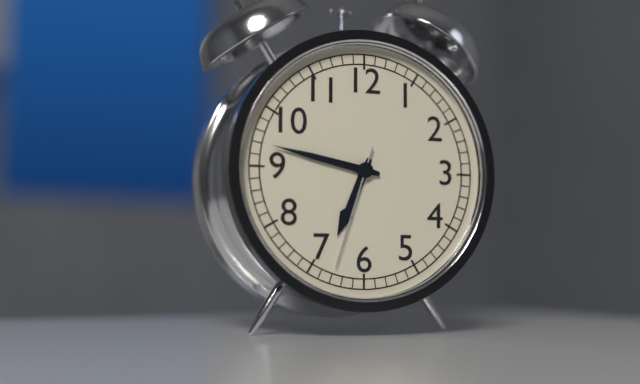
6:47:33
